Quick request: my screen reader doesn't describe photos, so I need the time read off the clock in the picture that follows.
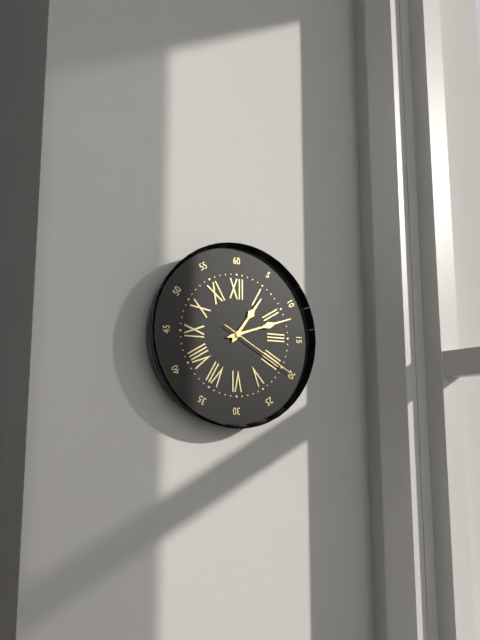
1:12:20
